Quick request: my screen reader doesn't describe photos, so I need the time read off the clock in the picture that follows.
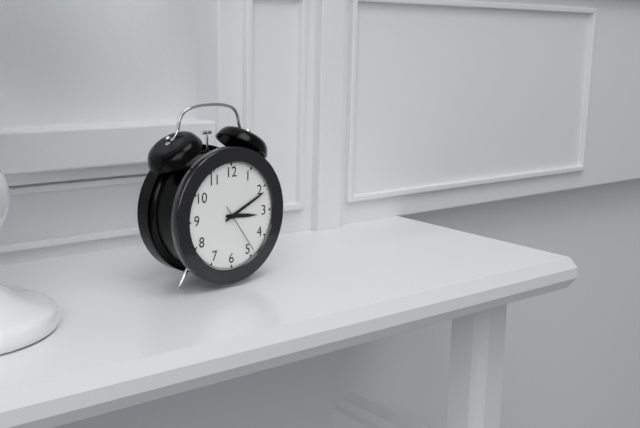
3:11:24
